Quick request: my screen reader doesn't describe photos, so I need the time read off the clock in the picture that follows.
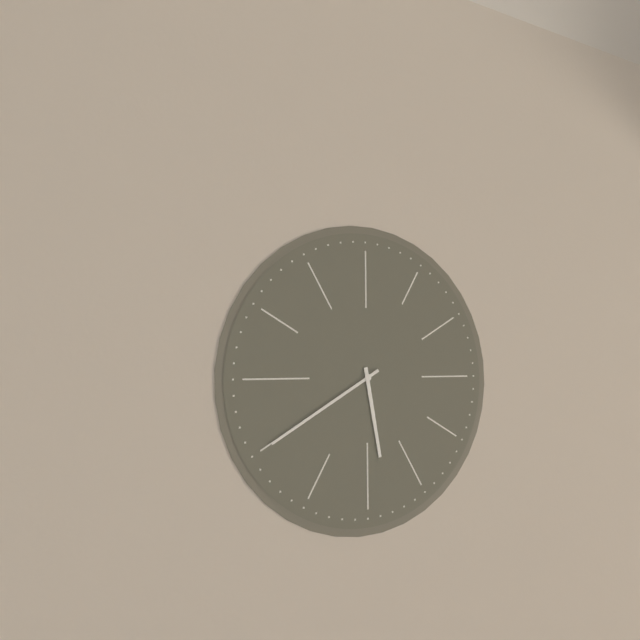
5:40
